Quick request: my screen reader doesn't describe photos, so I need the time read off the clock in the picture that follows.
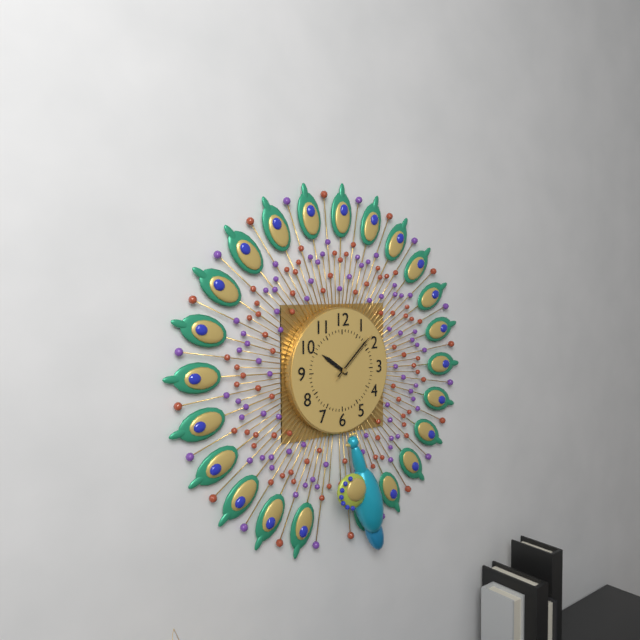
10:08:08
